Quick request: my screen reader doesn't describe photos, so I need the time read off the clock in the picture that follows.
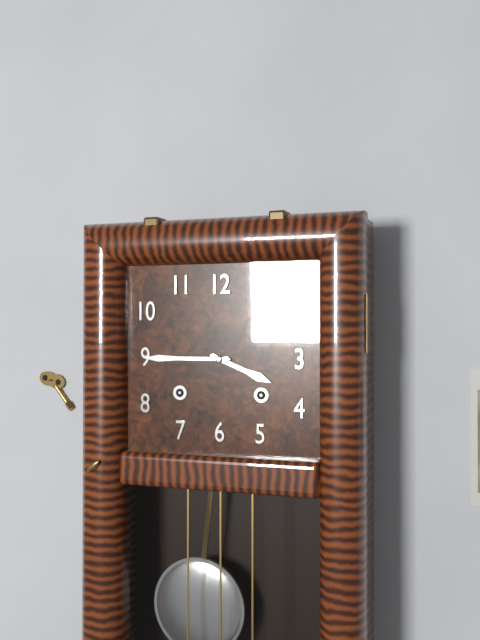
3:45
